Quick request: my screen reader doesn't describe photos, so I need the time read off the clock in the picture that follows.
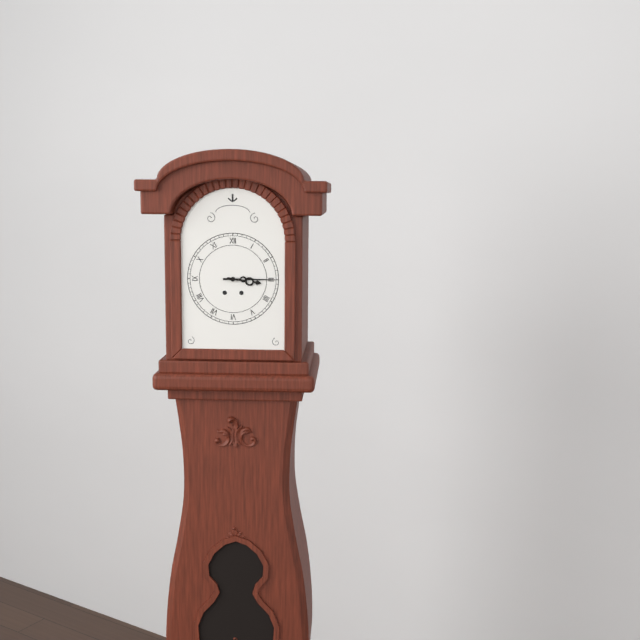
3:15
